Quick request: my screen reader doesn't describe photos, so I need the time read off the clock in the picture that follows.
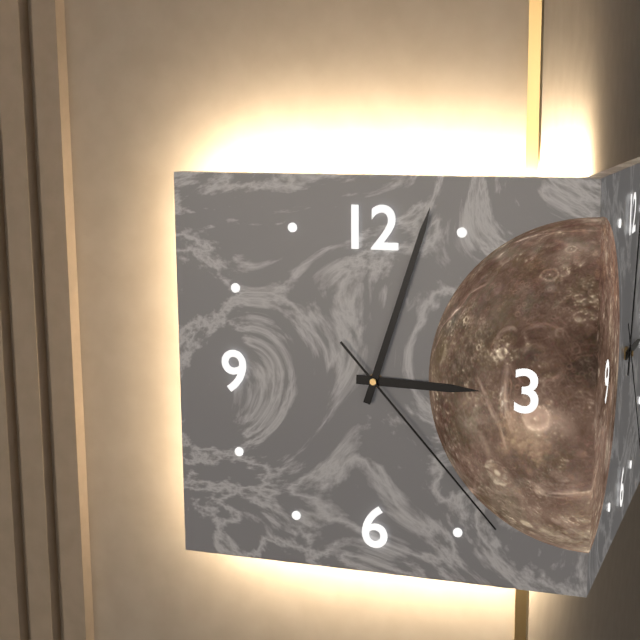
3:03:23
